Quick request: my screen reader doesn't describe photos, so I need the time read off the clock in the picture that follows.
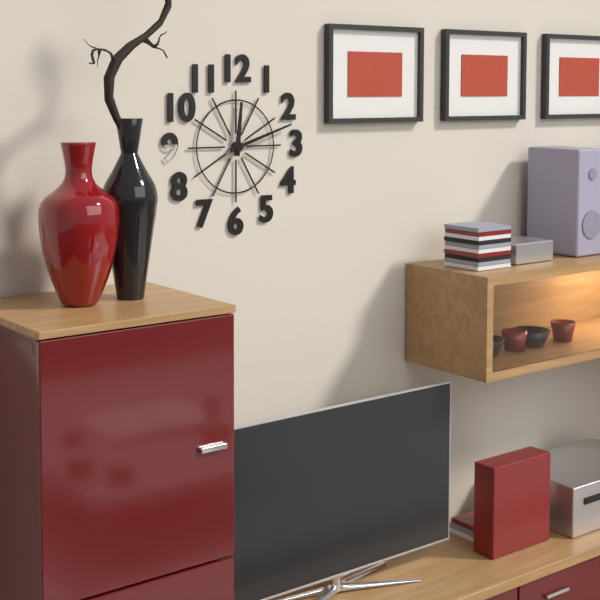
12:12
